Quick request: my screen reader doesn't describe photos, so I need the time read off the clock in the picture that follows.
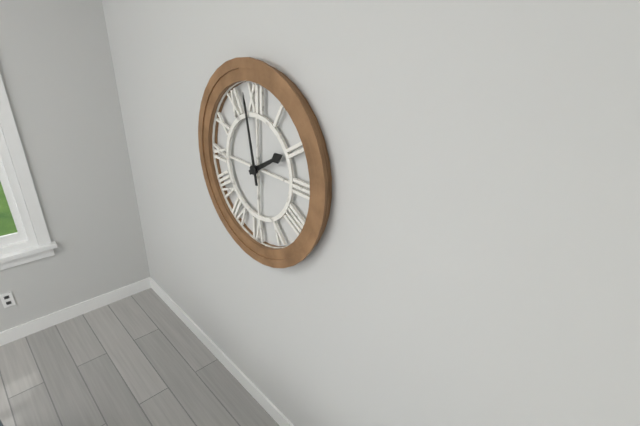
1:58
